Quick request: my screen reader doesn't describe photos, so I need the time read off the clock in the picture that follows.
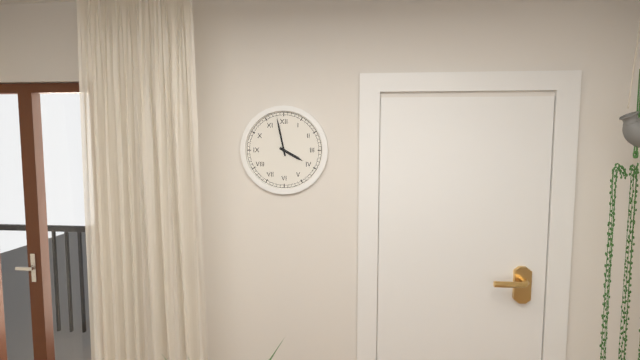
3:58
